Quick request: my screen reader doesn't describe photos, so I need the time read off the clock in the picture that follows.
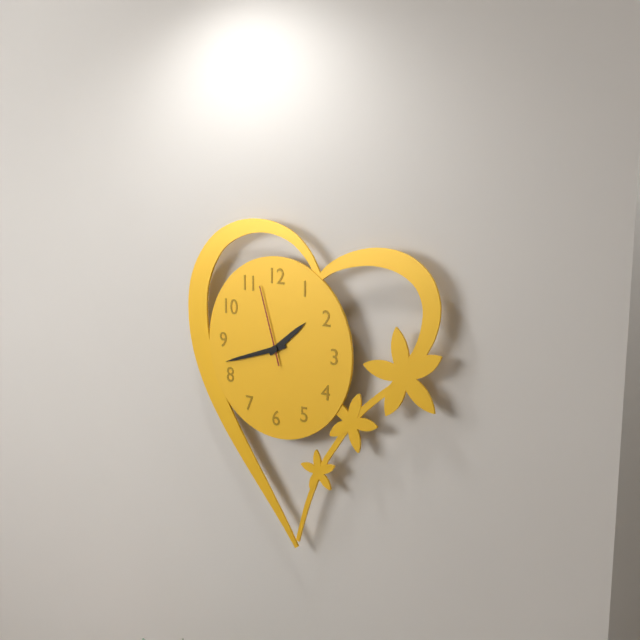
1:42:57
